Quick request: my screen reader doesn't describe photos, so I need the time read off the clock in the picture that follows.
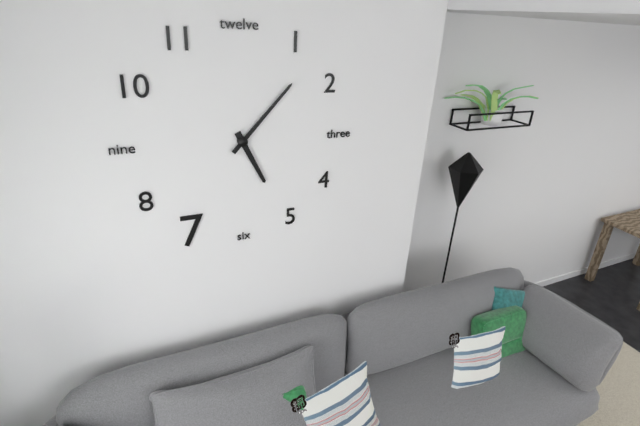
5:07
